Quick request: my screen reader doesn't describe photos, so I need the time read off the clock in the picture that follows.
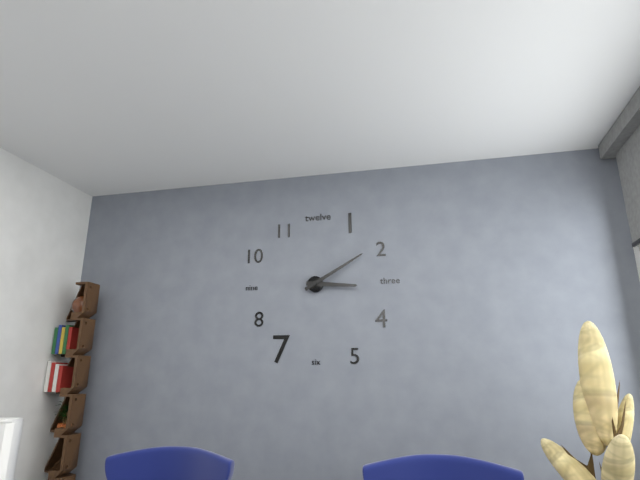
3:10
